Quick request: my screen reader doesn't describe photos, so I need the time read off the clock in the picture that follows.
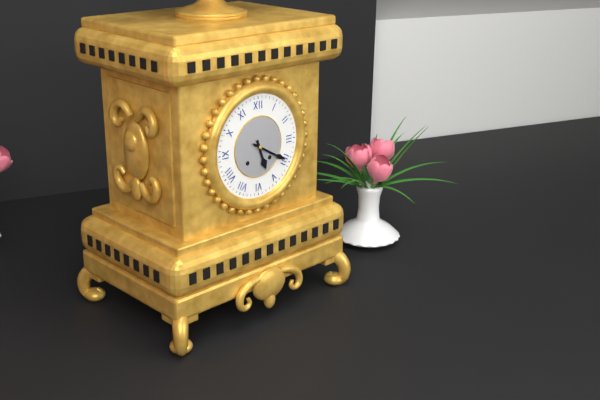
5:20
